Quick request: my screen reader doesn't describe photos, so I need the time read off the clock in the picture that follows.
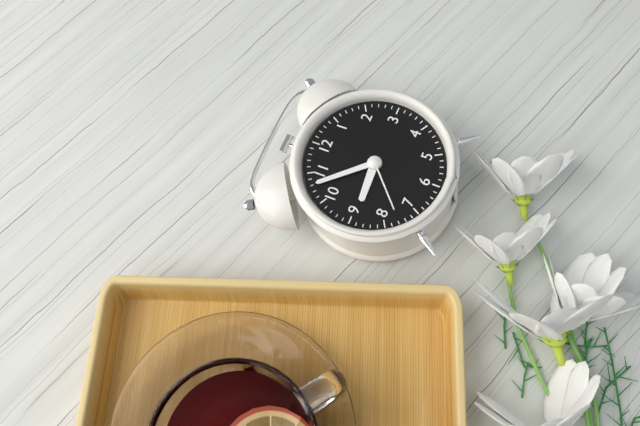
8:53:38
